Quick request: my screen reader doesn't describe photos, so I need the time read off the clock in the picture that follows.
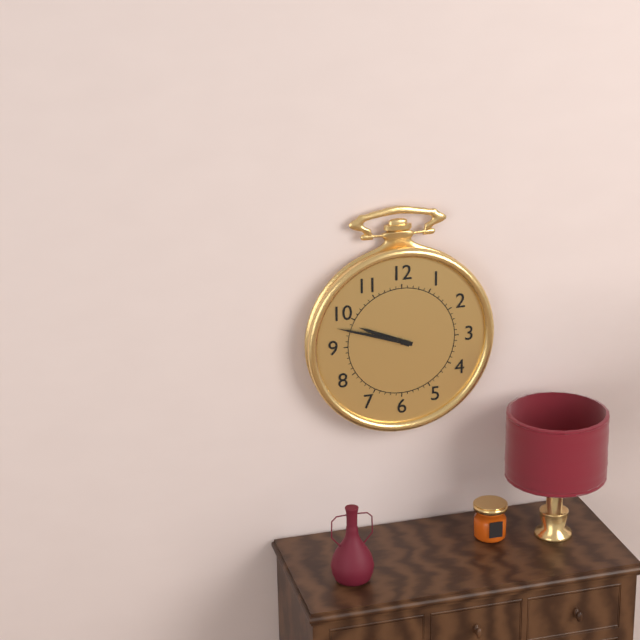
9:48
